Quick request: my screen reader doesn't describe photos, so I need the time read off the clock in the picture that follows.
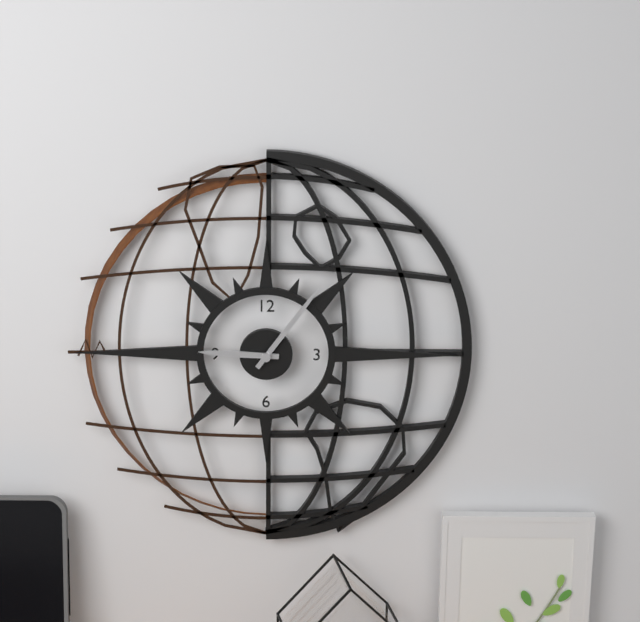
9:06
